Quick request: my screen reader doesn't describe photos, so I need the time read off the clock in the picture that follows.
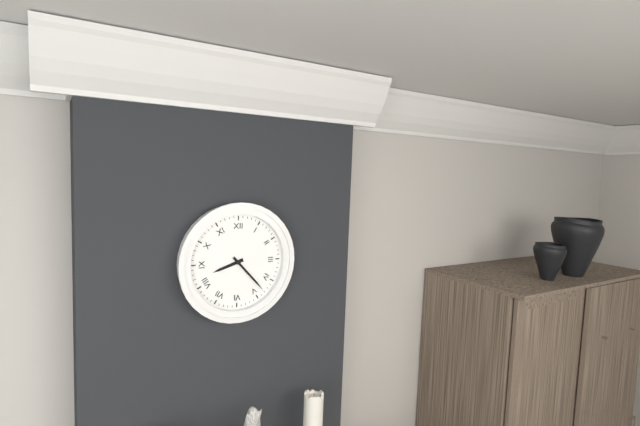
8:23
